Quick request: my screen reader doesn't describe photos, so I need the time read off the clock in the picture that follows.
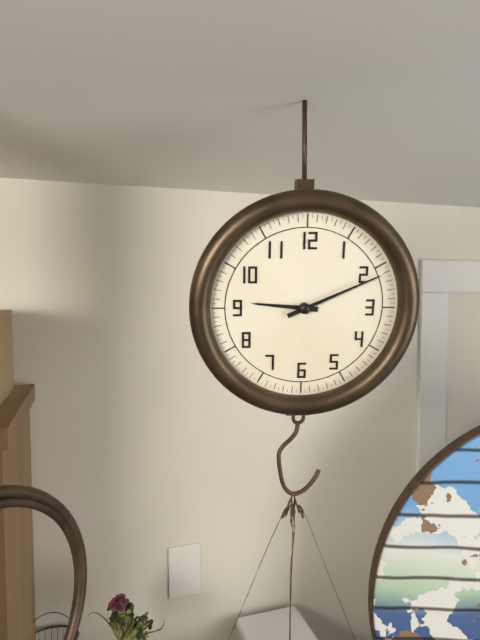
9:11
